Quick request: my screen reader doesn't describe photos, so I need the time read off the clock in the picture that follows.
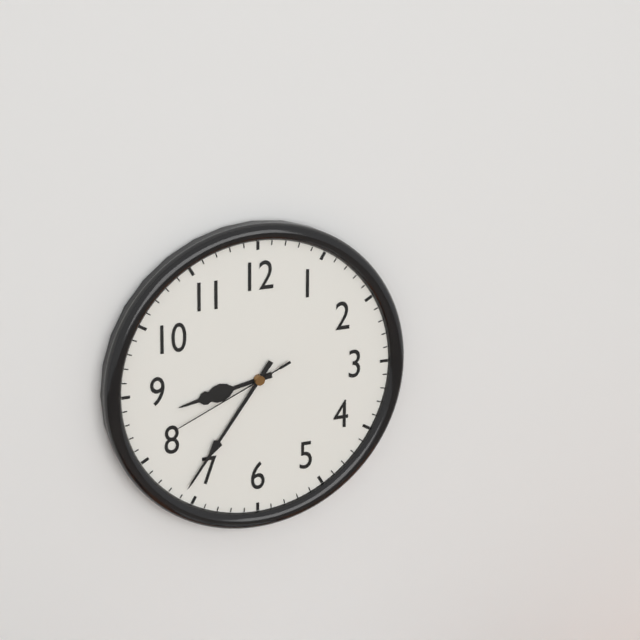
8:36:41
